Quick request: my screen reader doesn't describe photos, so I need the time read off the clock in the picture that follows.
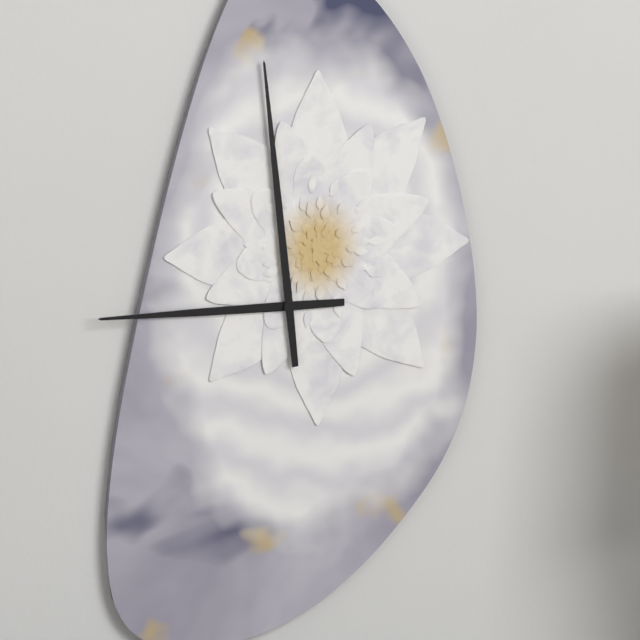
8:59
